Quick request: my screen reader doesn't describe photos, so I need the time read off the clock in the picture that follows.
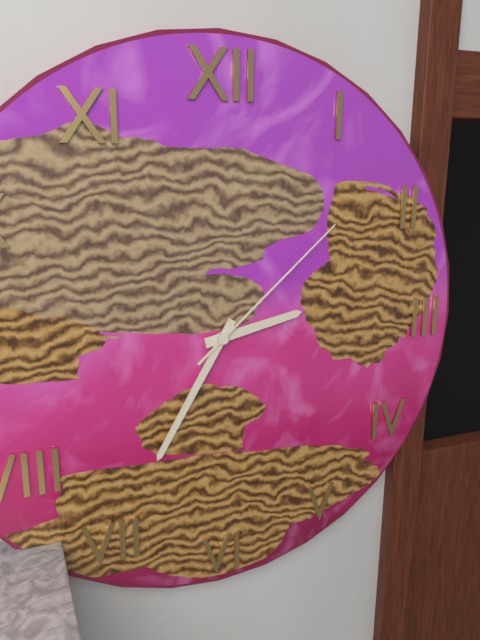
2:35:08
